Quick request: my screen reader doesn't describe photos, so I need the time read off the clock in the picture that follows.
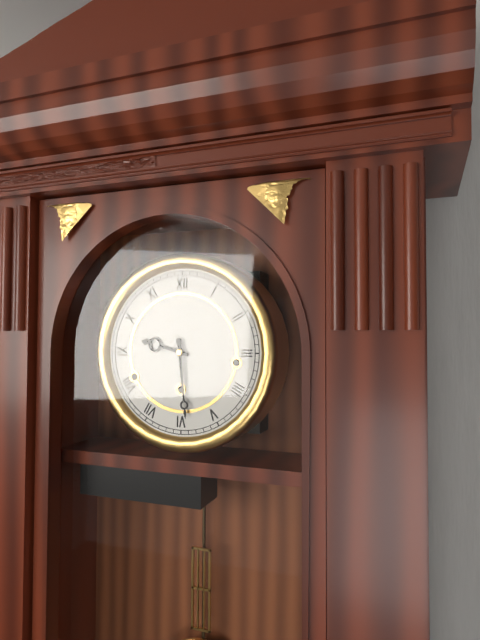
9:29
